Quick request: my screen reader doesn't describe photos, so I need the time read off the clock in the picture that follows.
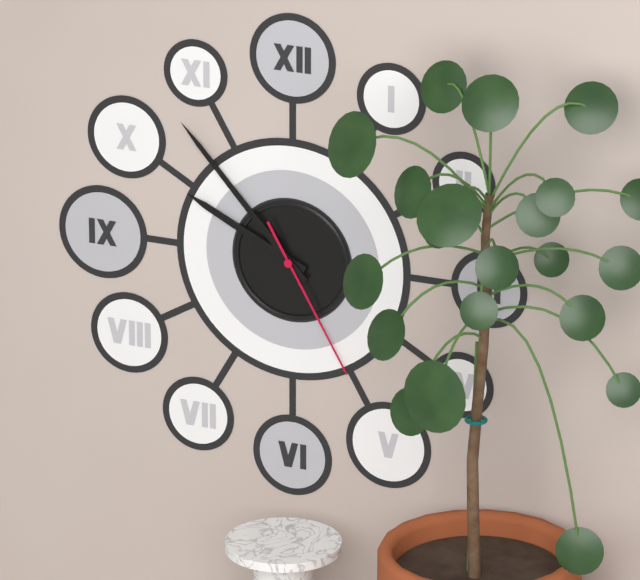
9:53:25
